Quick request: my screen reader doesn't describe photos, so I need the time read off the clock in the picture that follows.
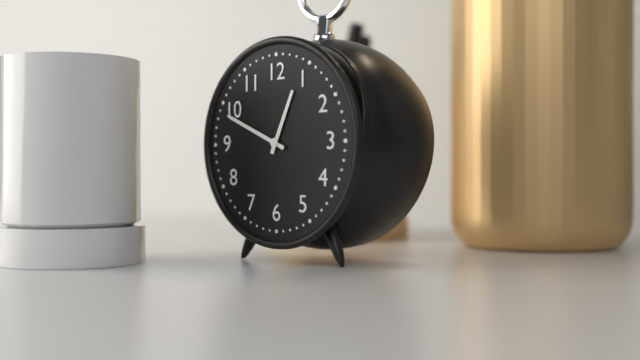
12:49
